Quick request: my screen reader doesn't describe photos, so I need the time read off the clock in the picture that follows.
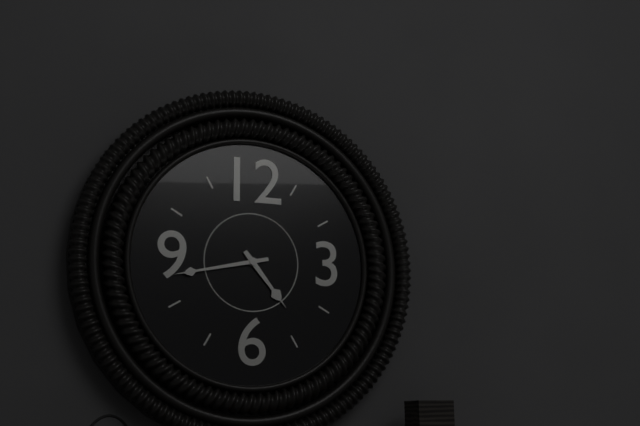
4:43
